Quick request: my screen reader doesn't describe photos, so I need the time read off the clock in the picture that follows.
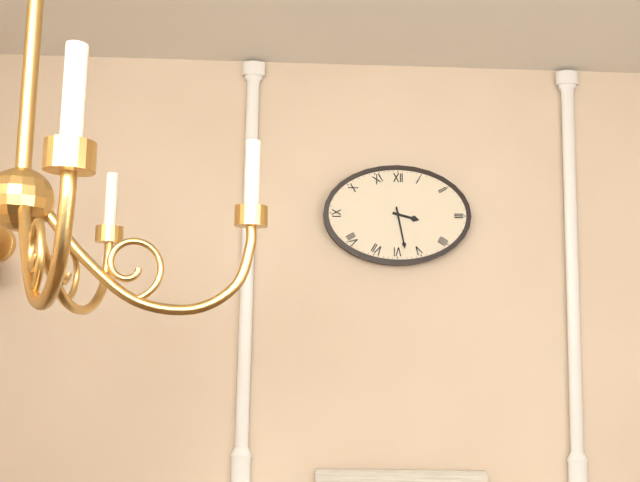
3:28
